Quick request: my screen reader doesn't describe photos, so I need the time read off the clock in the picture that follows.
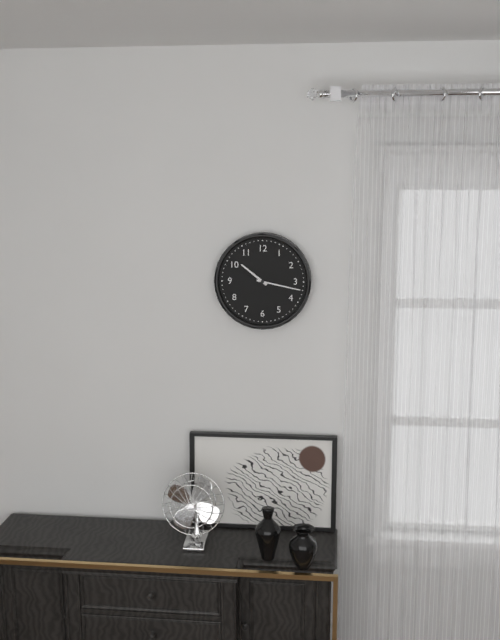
10:17
